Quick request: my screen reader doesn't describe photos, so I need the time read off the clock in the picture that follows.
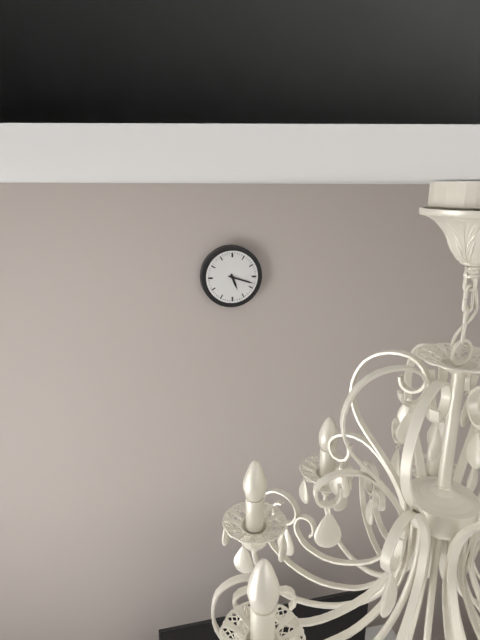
5:18
